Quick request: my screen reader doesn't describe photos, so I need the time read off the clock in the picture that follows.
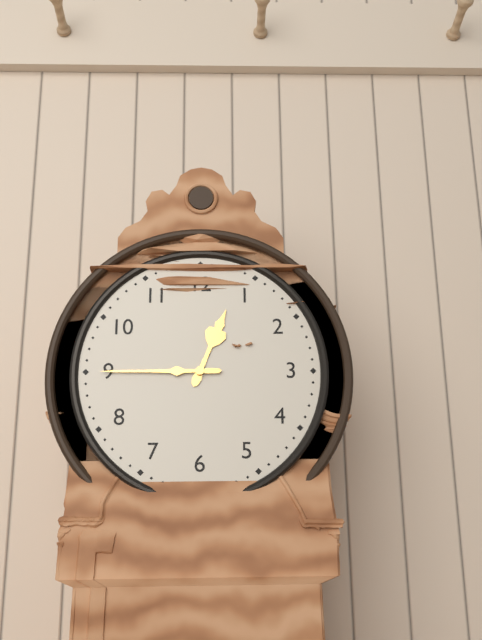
12:45
